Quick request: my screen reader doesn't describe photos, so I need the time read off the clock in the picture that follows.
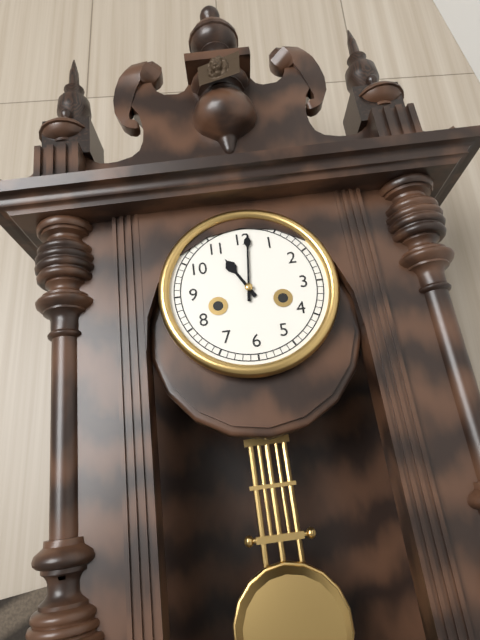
11:01
